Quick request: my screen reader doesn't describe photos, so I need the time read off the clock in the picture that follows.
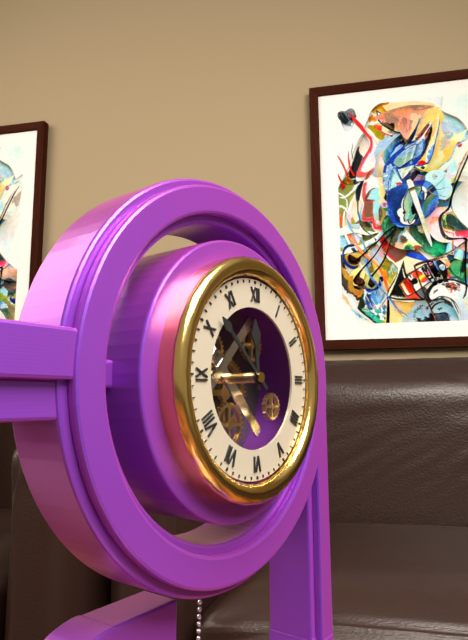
11:52
